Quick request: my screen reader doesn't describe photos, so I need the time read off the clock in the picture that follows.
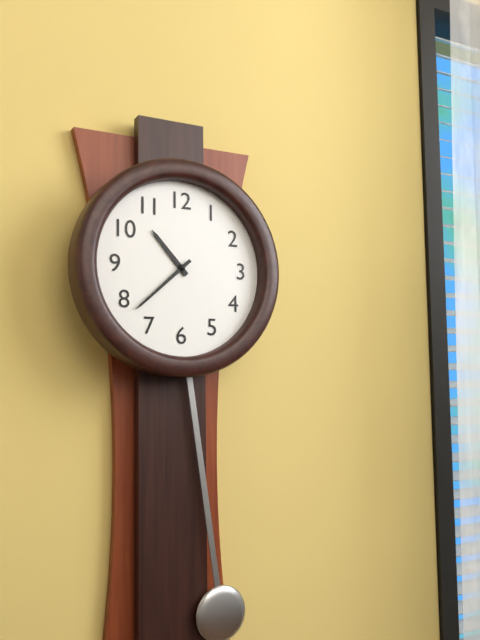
10:38
